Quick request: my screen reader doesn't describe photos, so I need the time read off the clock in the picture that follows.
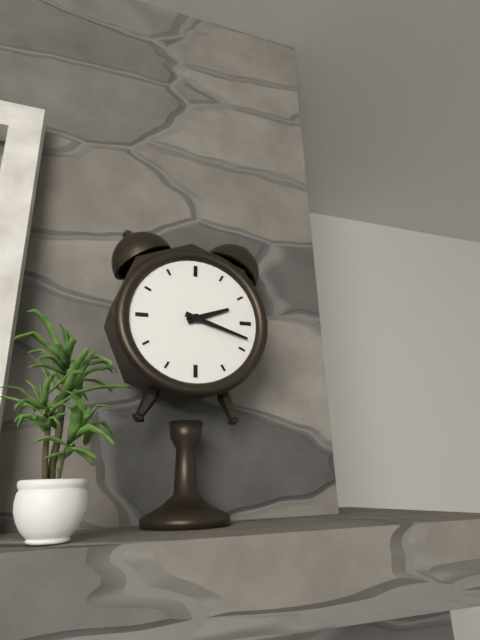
2:18
